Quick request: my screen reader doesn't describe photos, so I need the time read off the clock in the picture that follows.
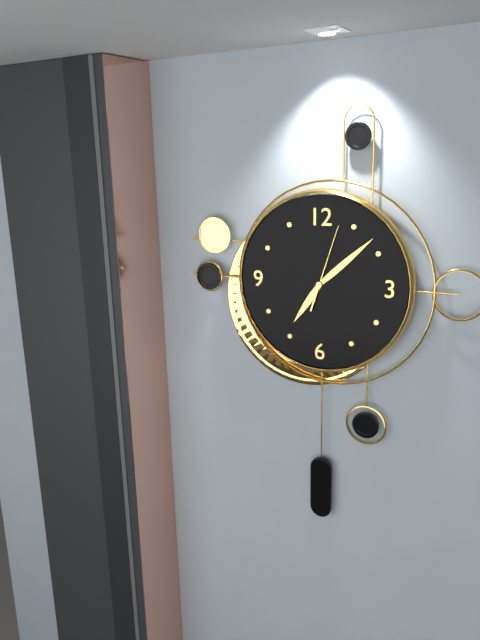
7:08:03
